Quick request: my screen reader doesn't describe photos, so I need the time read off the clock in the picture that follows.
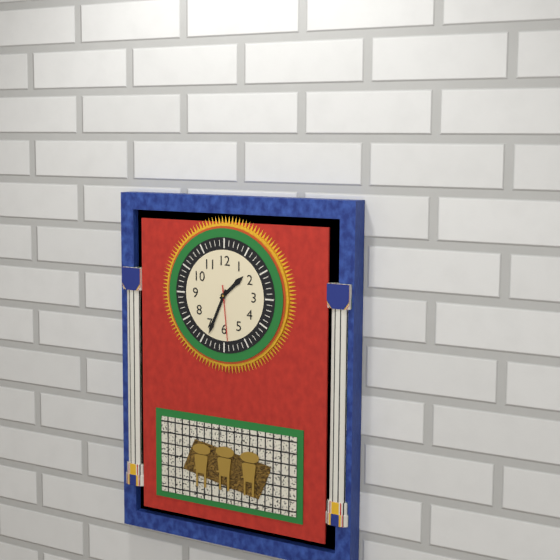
1:34:29
